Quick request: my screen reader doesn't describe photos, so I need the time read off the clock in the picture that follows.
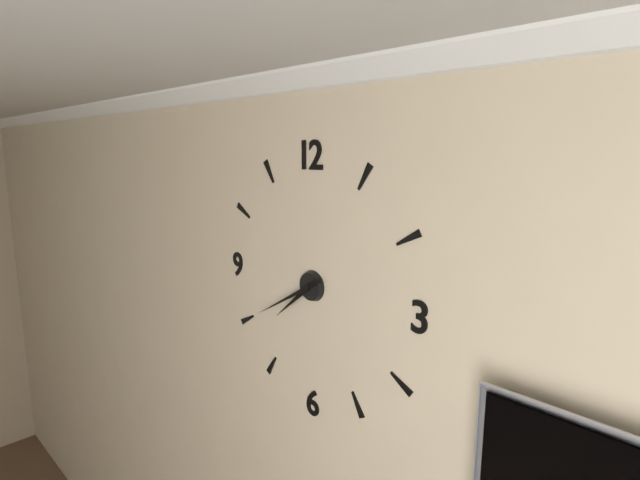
7:40
